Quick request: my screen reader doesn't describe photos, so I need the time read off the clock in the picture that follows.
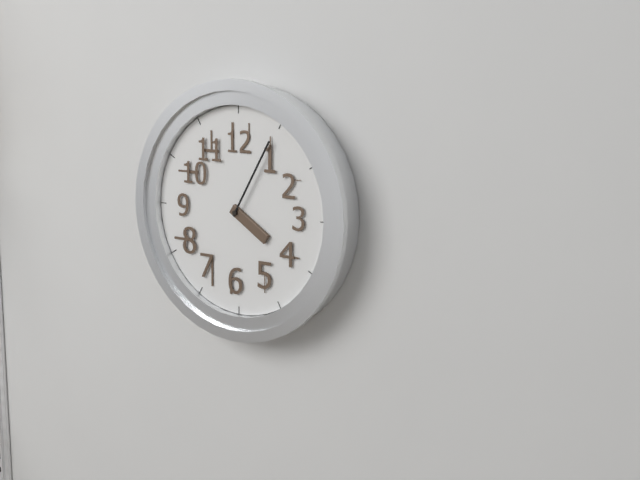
4:05
